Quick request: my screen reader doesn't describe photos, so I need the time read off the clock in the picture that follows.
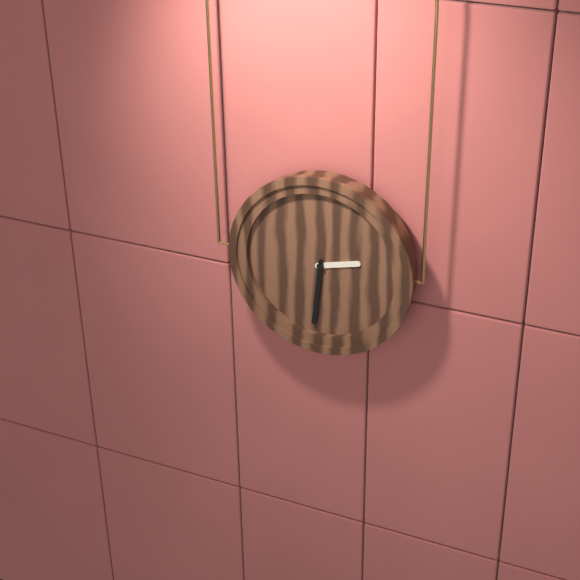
2:31
